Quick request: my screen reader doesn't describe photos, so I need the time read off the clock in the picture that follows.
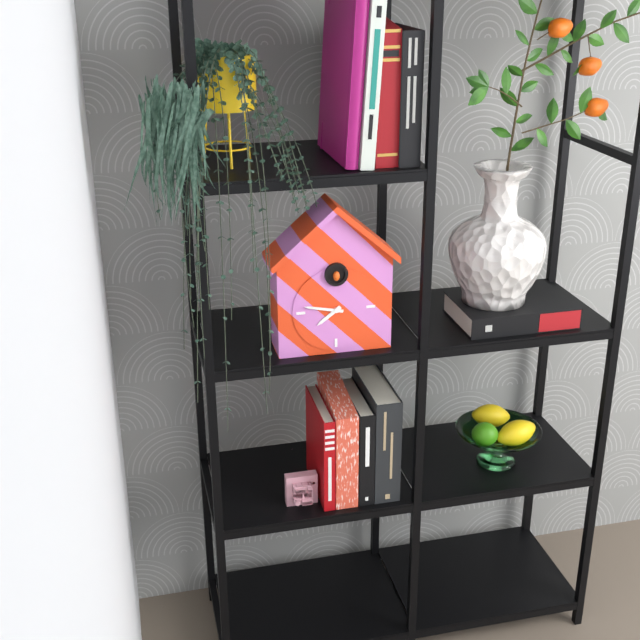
7:47
